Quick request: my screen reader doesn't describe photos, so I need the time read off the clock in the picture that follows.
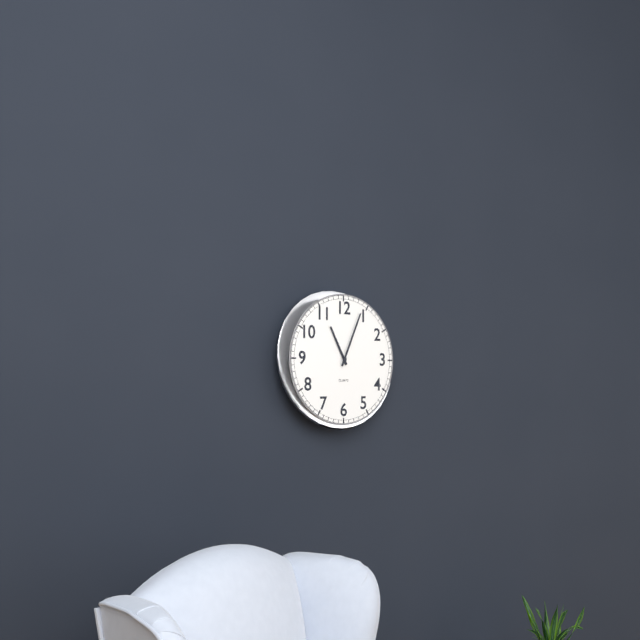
11:04
